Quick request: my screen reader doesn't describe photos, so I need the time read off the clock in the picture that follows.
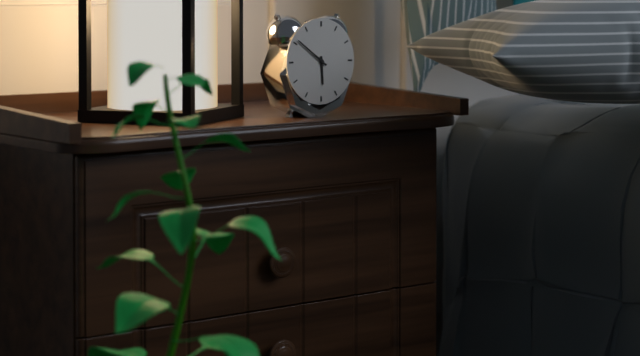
5:51
